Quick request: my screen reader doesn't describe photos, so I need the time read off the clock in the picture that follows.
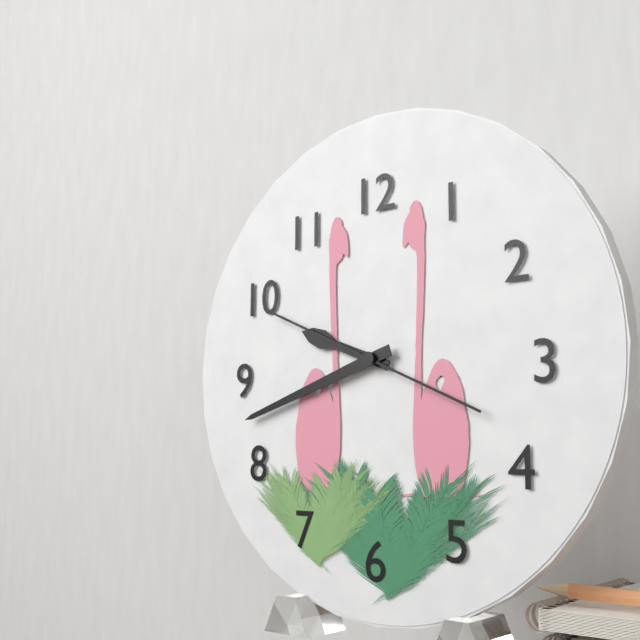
9:42:49
